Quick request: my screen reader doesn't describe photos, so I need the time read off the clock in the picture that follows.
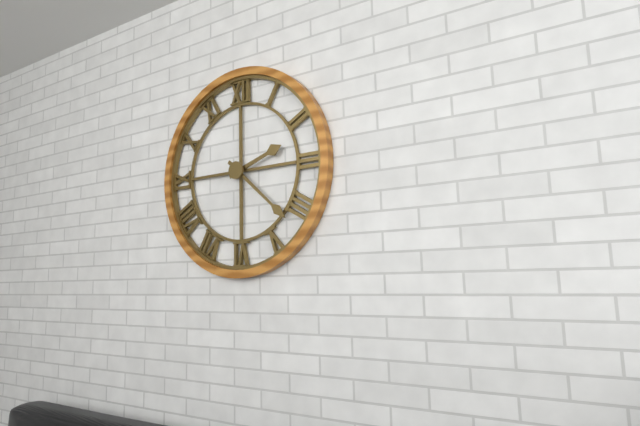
2:22
